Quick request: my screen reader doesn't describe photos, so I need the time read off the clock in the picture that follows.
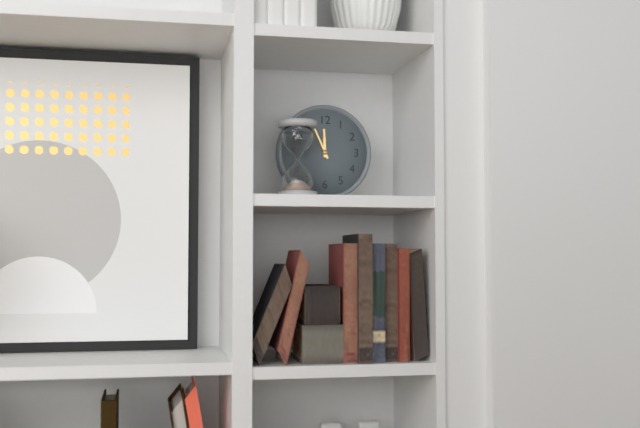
11:56
